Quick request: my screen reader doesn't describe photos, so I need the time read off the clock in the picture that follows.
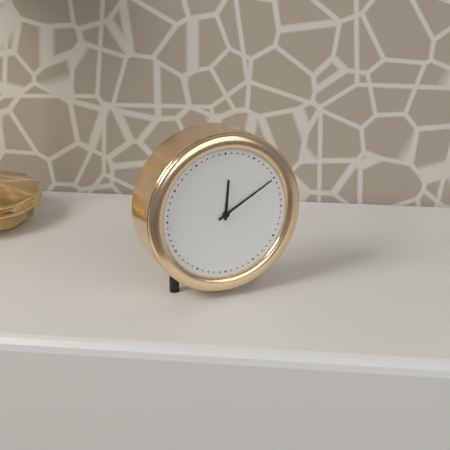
12:10
